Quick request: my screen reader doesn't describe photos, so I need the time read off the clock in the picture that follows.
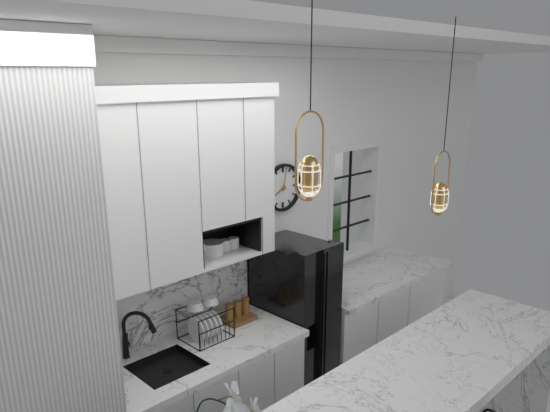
8:02
